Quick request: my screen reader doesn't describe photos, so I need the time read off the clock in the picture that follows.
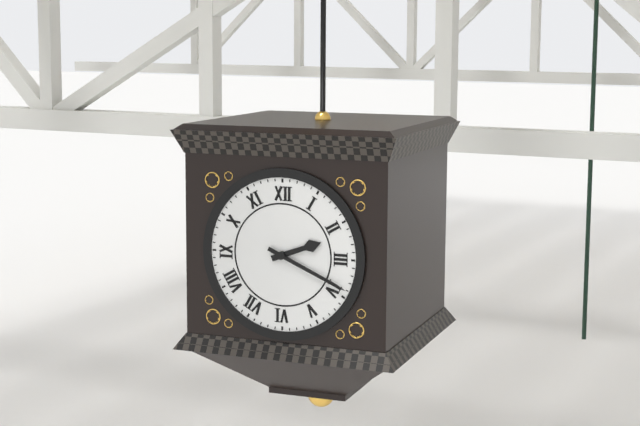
2:19
